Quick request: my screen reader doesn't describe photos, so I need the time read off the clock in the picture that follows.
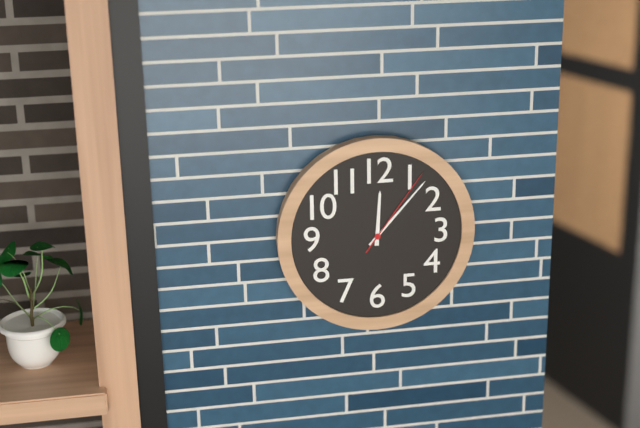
12:07:06
